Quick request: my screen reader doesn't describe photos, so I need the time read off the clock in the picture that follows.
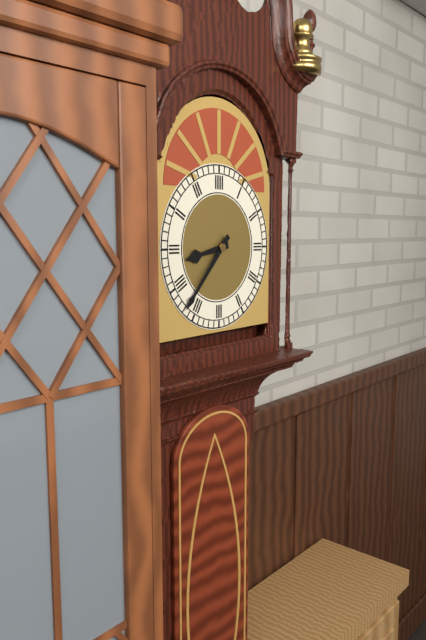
8:37
